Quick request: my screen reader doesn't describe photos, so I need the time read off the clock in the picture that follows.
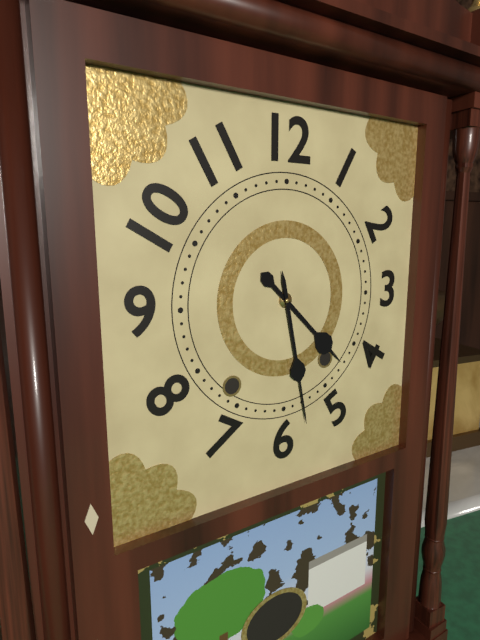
4:28
